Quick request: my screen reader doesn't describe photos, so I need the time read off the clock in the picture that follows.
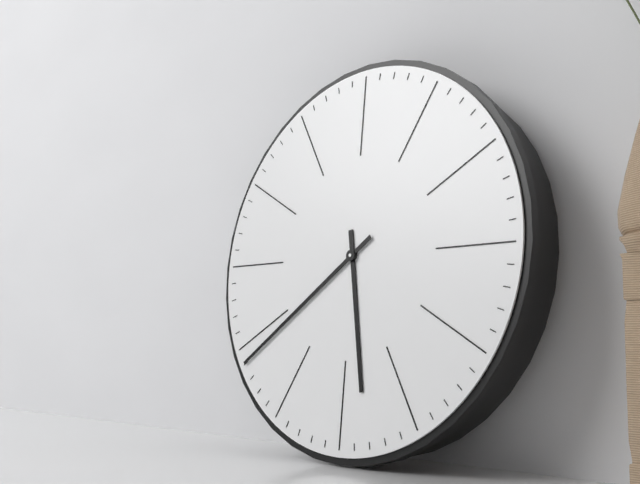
5:39
